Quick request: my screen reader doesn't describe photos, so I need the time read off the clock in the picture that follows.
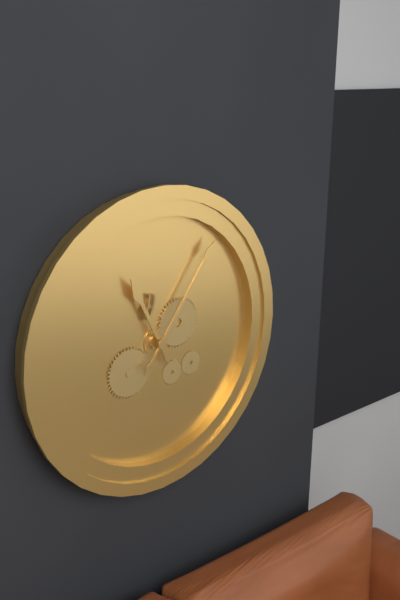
11:06
